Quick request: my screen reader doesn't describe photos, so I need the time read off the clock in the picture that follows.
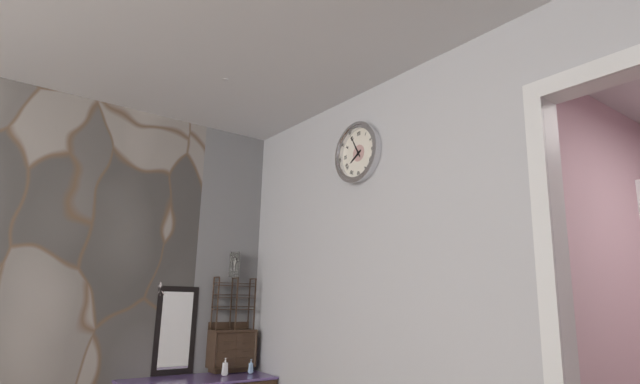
7:55
